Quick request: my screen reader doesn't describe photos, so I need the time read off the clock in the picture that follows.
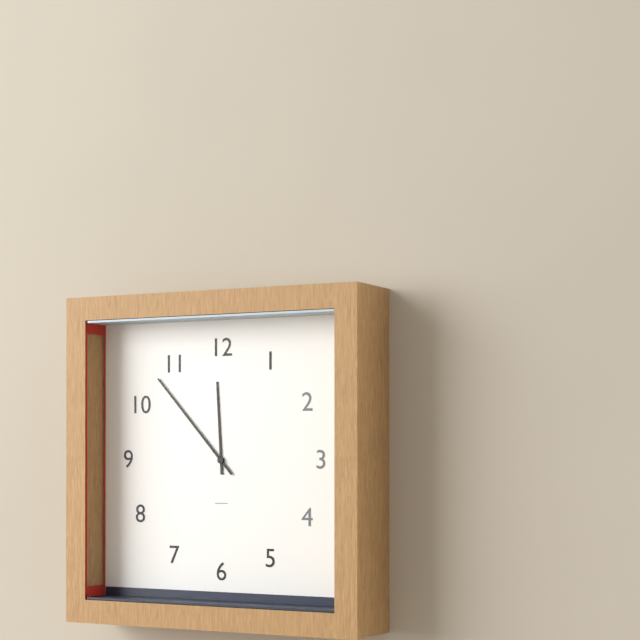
11:53
